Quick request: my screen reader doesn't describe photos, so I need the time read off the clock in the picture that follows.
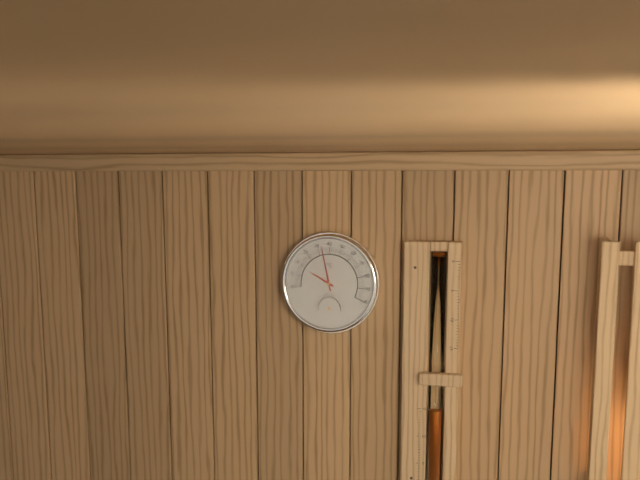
9:58
